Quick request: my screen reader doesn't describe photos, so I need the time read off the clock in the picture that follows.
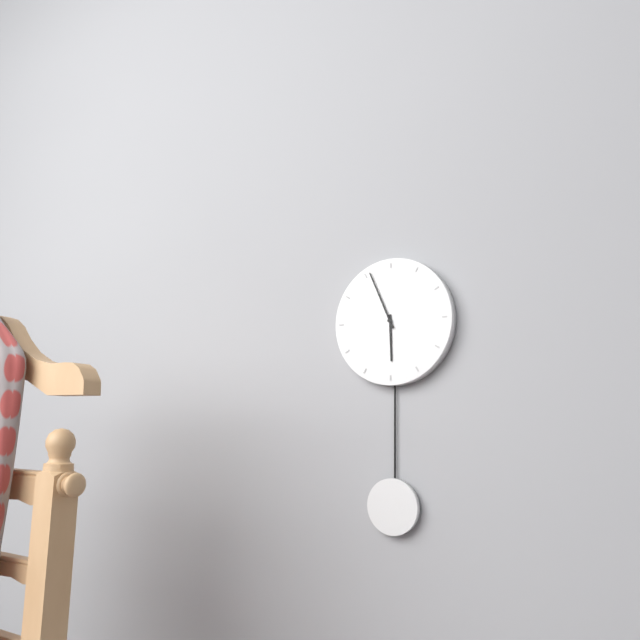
5:56
